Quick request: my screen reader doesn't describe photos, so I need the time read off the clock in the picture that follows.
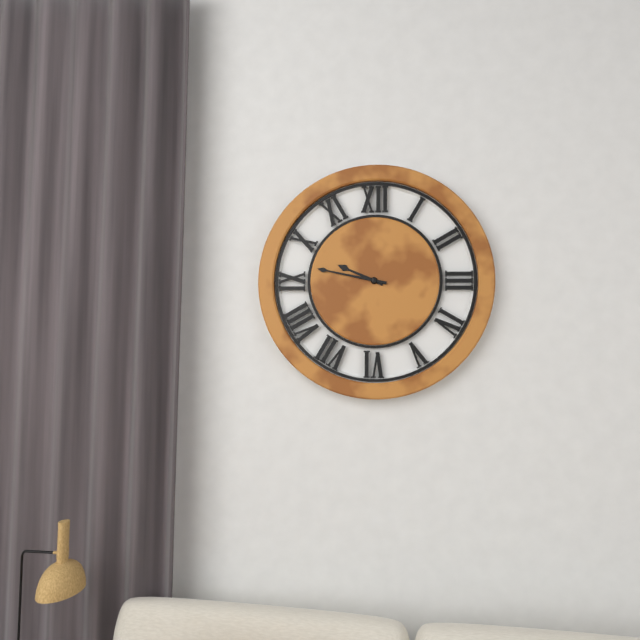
9:47
